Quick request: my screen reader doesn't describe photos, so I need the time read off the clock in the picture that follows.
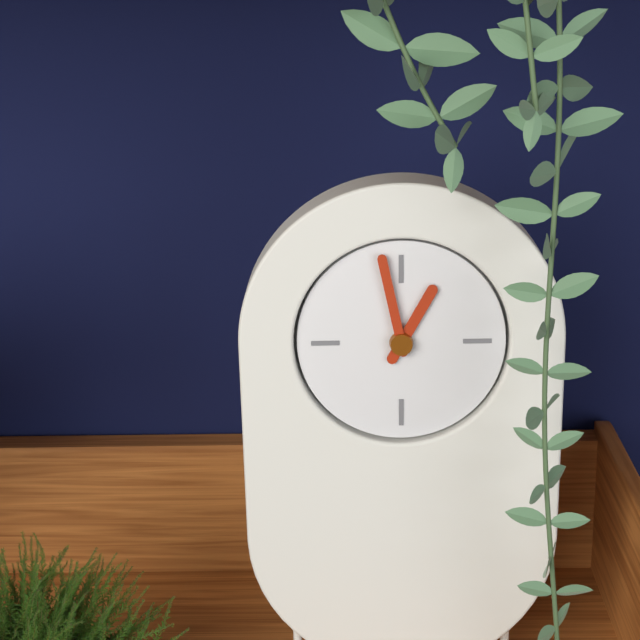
12:58
